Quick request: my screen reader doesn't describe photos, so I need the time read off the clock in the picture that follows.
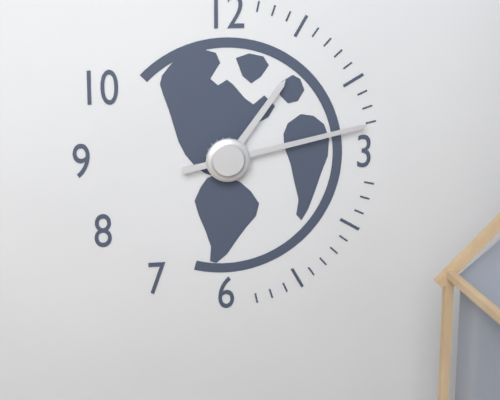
1:13
